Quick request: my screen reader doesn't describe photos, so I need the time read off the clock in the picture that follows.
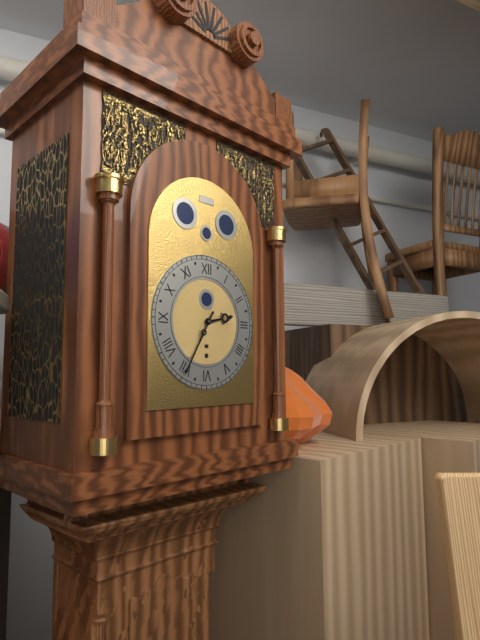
2:35
